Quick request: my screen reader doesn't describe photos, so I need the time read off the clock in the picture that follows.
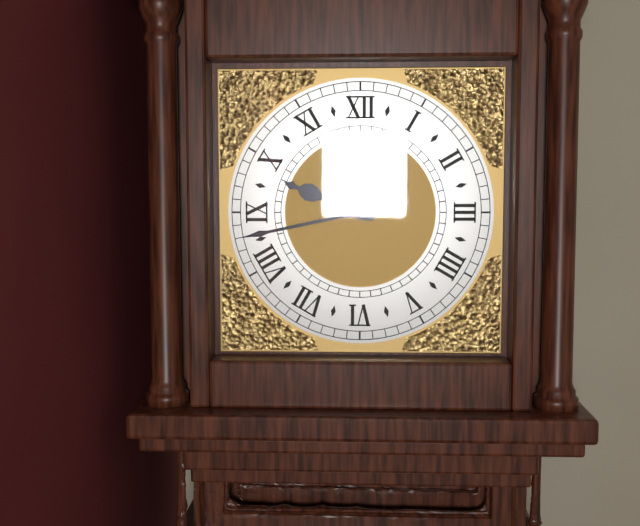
9:43
